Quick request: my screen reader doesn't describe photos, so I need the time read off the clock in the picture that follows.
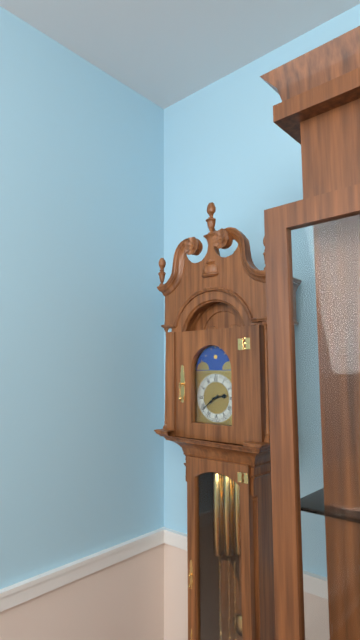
2:39
